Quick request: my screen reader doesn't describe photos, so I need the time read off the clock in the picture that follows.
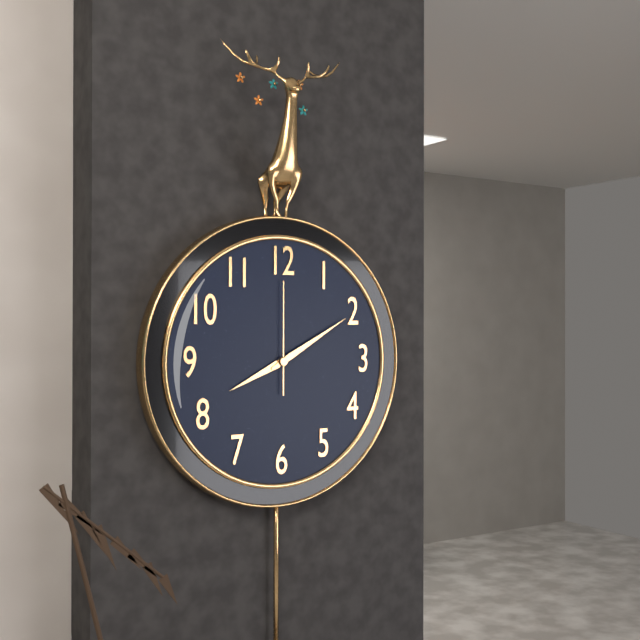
8:10:00
